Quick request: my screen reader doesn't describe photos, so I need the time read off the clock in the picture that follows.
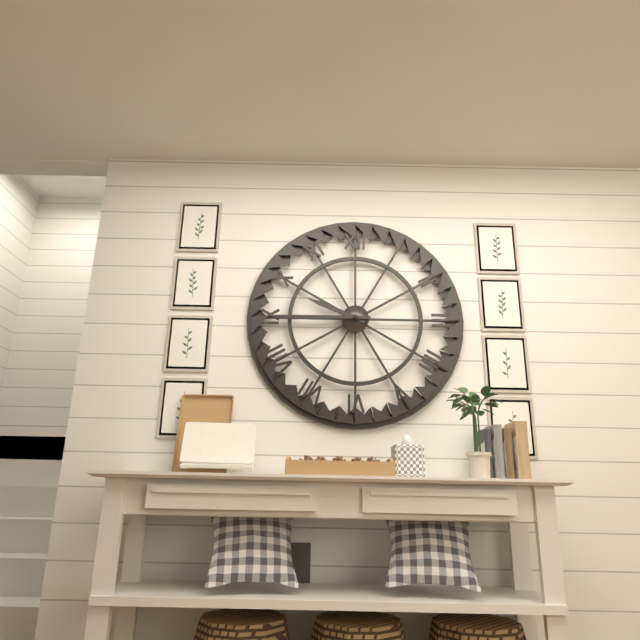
9:45
